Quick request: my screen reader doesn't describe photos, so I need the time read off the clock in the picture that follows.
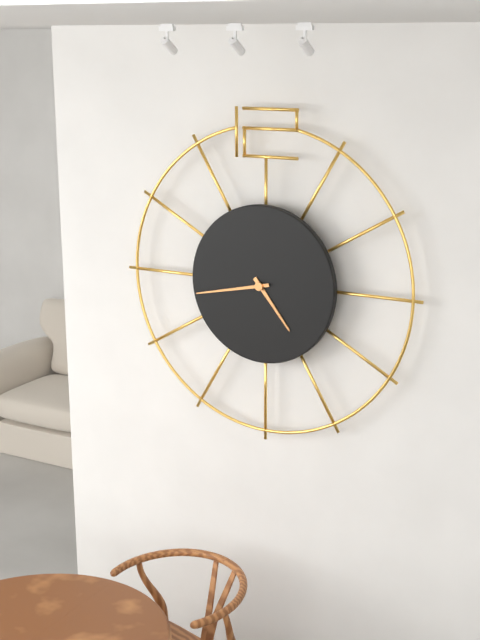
4:43
